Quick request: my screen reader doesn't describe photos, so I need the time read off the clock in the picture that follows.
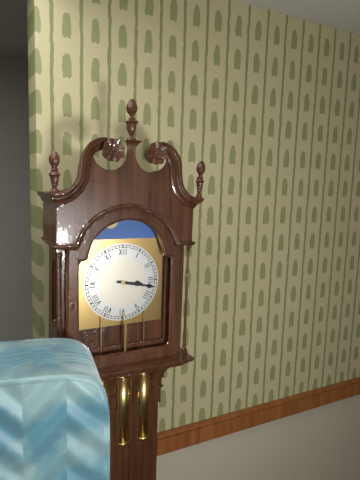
3:17
